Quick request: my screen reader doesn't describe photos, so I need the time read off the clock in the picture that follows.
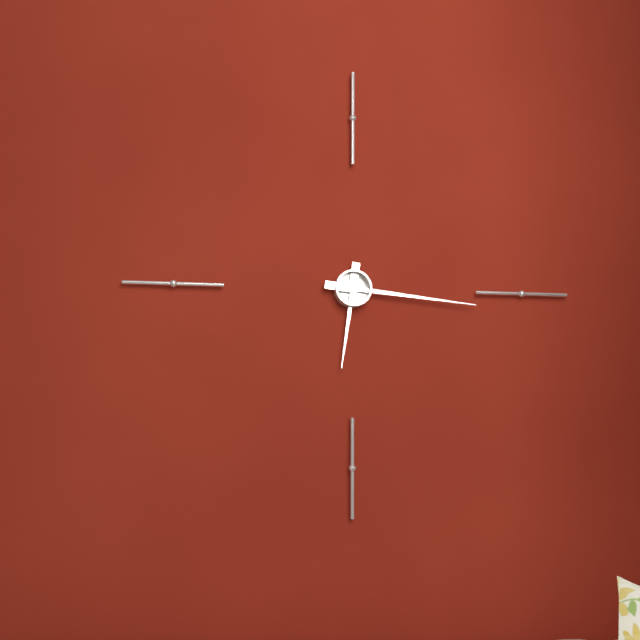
6:16
